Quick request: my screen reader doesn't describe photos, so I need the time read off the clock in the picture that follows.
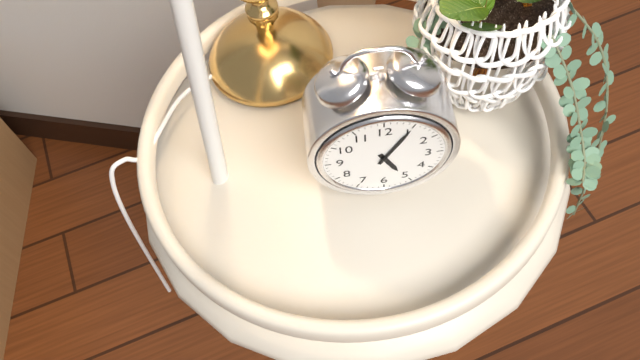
5:05
